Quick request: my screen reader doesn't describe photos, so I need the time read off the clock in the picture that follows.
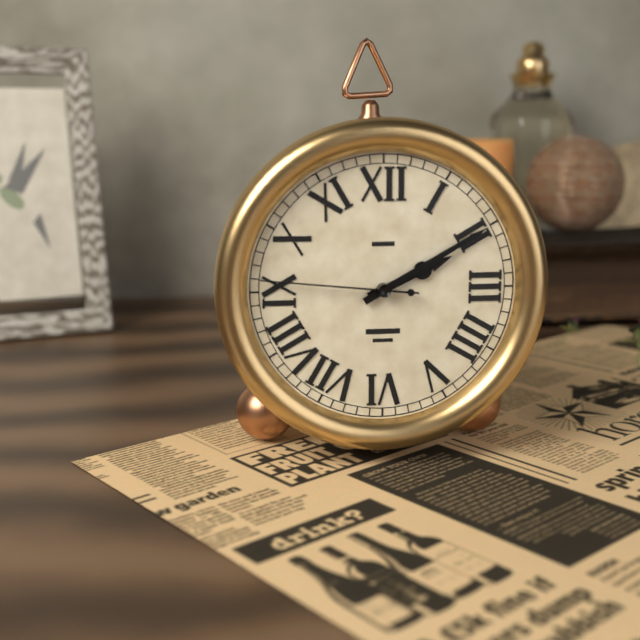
2:10:46
